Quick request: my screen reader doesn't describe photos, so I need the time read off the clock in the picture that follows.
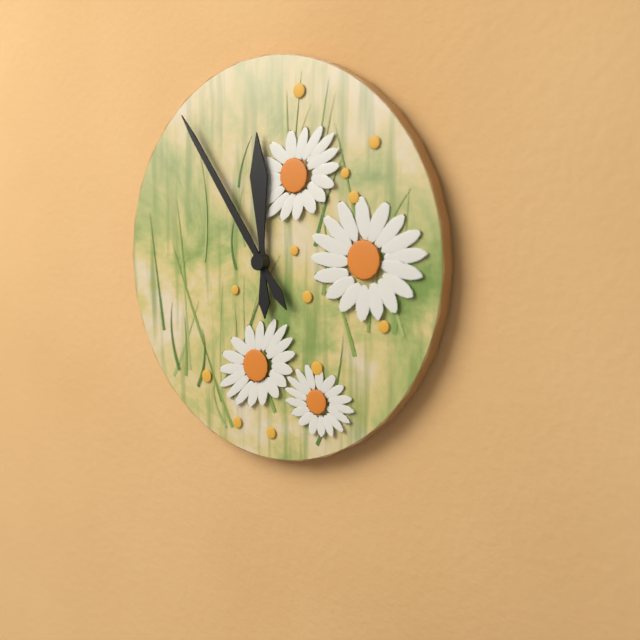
11:54
